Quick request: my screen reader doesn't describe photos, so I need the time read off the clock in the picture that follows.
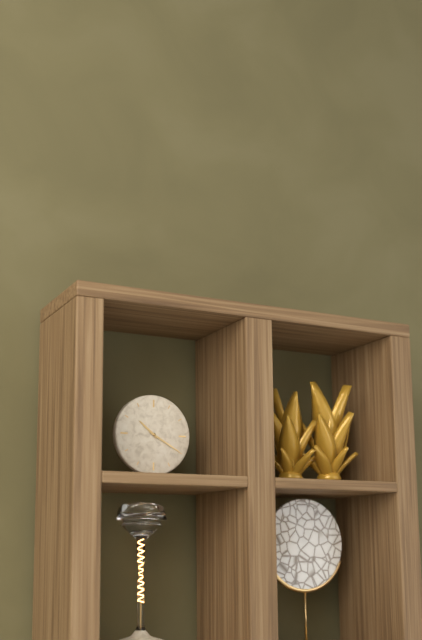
10:20
